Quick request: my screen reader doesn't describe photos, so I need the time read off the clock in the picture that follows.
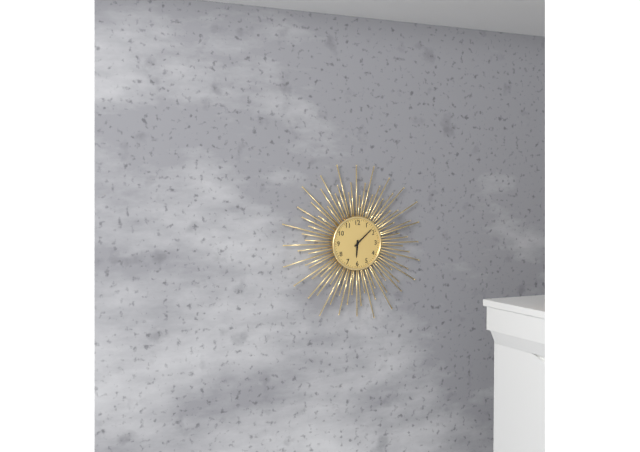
6:08
